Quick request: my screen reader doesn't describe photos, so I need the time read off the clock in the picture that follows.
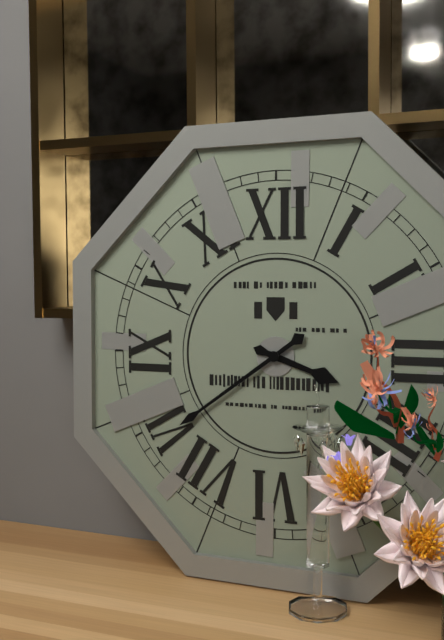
3:39
